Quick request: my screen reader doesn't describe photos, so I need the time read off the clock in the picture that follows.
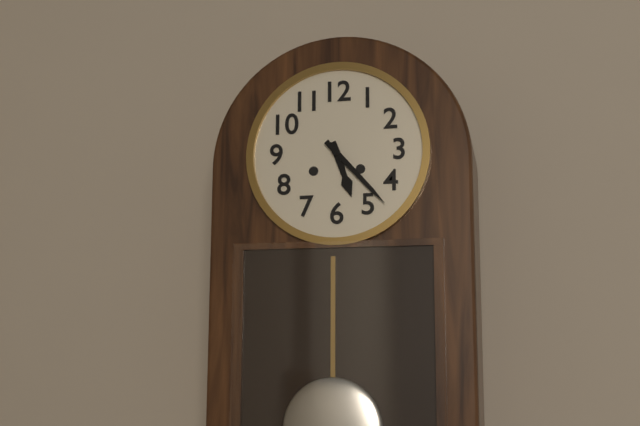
5:23
